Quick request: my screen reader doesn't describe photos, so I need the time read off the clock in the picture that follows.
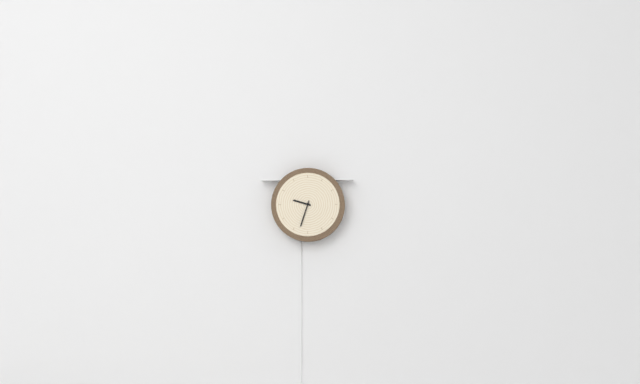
9:33
